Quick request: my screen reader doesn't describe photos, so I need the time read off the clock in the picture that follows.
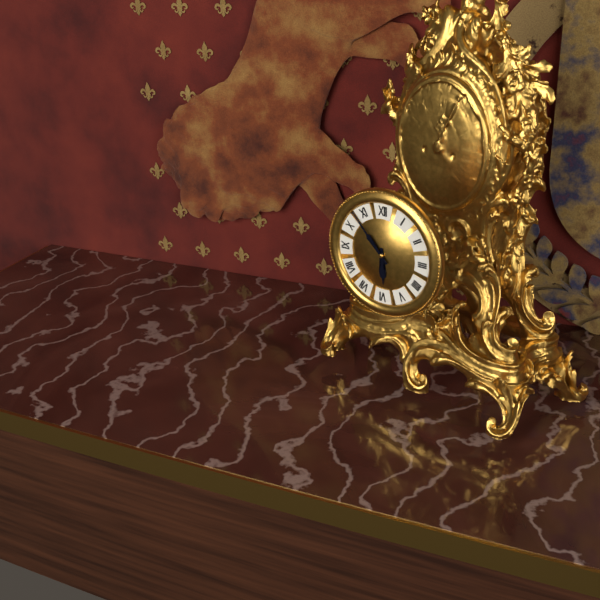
5:53
